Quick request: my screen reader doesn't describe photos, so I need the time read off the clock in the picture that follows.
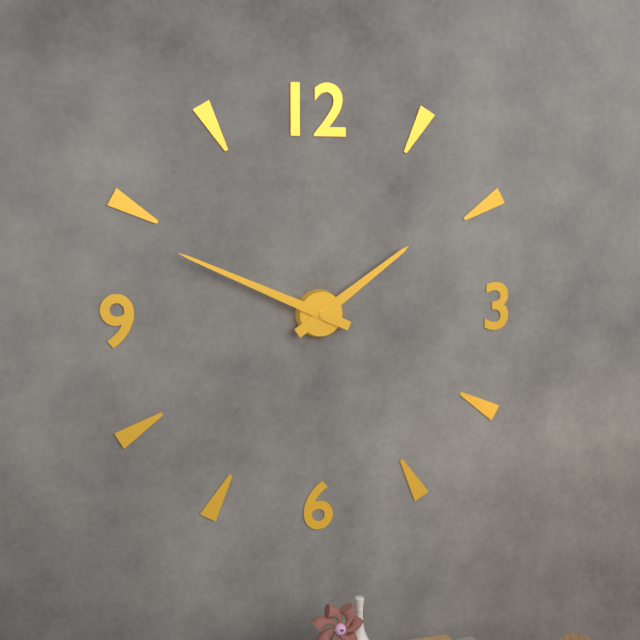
1:49
